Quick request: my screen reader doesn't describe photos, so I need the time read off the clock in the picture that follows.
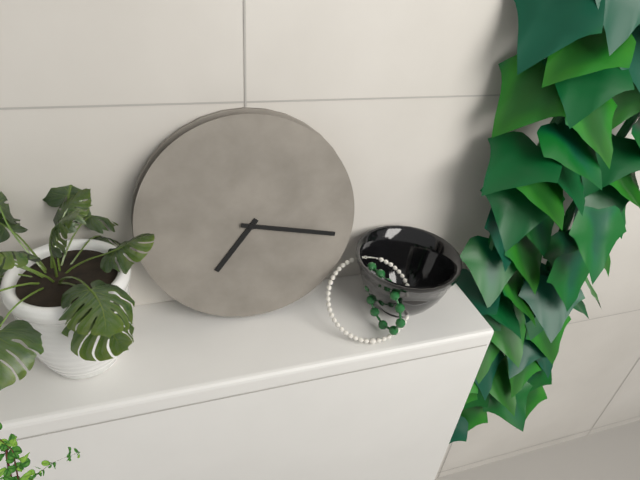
7:17
